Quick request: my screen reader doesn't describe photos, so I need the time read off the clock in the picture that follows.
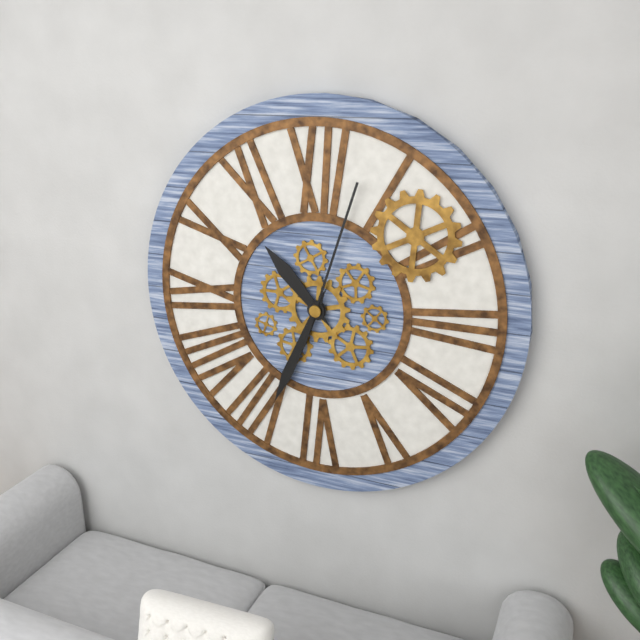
10:34:03
